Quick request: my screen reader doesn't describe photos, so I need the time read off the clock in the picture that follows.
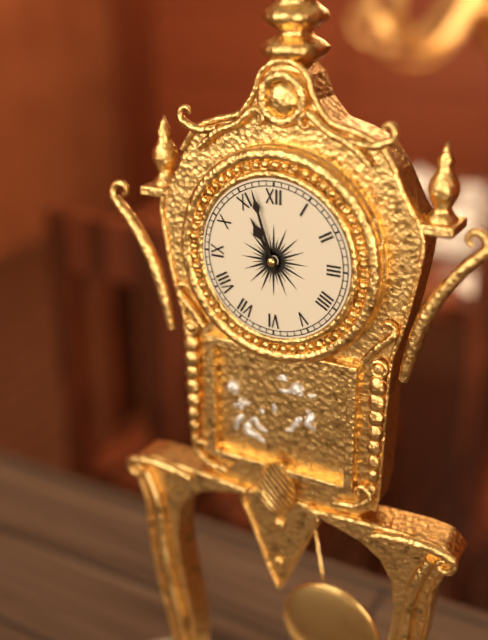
10:57
